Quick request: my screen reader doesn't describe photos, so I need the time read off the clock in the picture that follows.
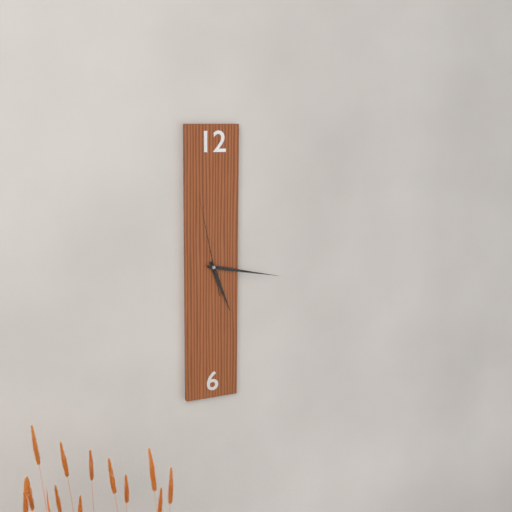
5:17:58
